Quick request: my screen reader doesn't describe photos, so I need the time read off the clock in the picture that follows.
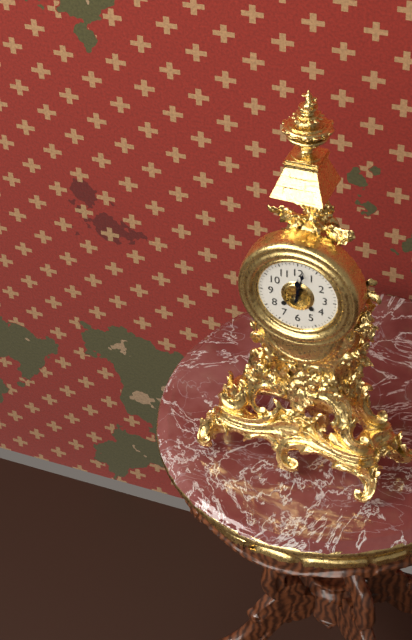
12:02
